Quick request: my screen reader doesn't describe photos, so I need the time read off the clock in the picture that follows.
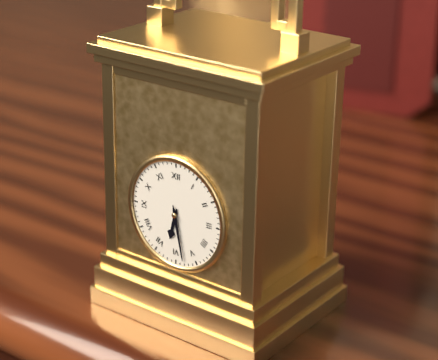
6:28
